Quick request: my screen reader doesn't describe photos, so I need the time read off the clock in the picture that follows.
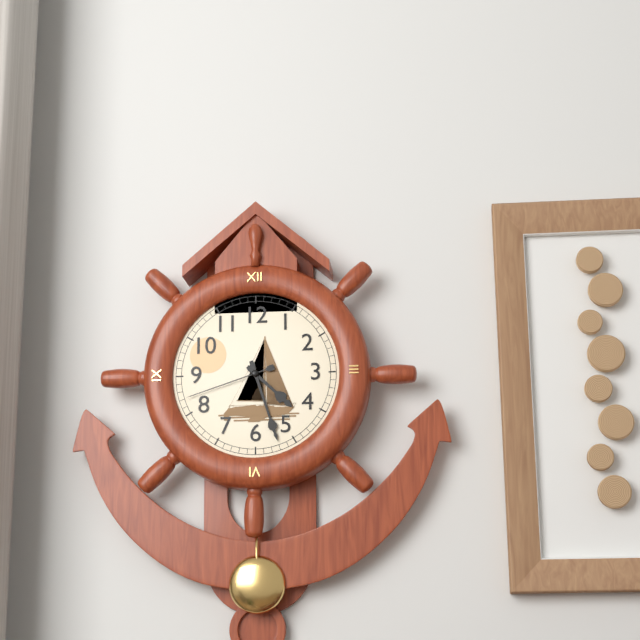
4:27:42
